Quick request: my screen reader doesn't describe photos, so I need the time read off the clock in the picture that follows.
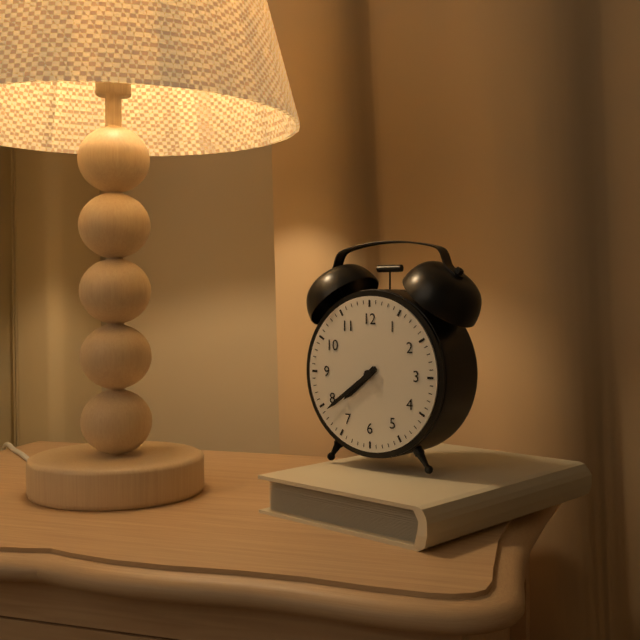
7:39
